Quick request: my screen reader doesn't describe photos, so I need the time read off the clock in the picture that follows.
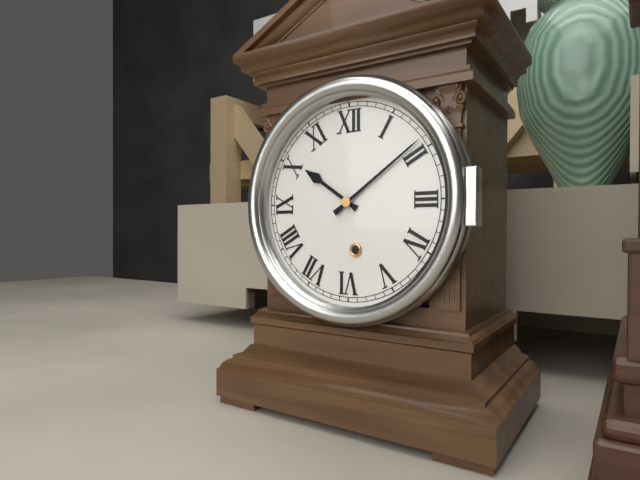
10:09
